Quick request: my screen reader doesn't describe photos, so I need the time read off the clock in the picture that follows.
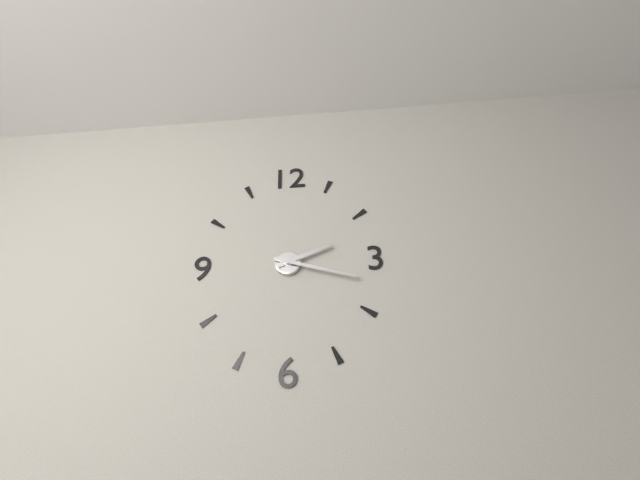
2:18
